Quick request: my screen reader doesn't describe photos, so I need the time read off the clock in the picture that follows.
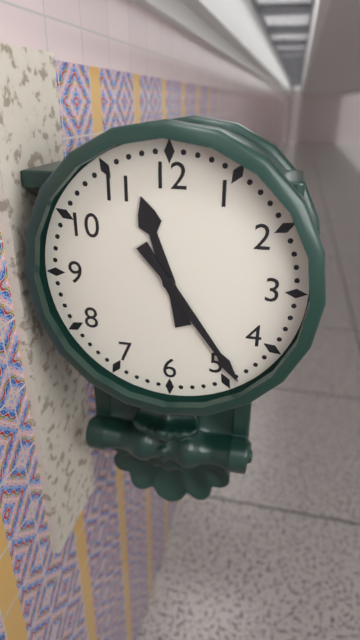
11:24
